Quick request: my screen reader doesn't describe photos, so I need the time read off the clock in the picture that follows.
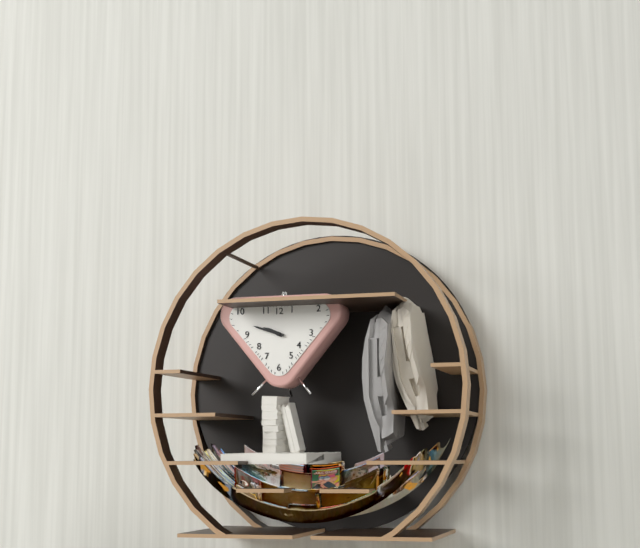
9:48
